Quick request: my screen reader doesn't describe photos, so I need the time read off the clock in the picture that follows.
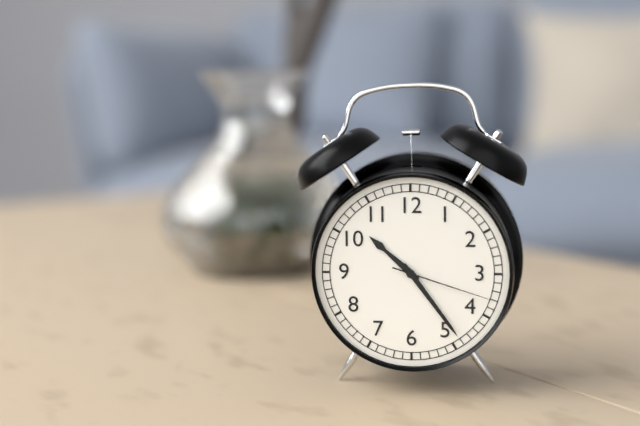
10:24:18
